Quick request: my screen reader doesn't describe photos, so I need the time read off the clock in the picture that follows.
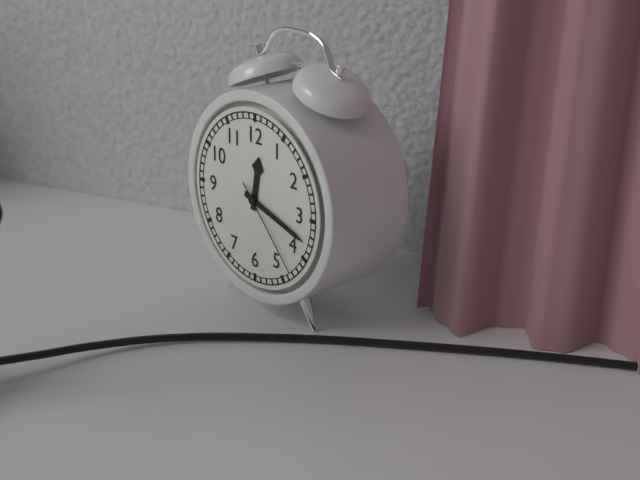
12:18:23
